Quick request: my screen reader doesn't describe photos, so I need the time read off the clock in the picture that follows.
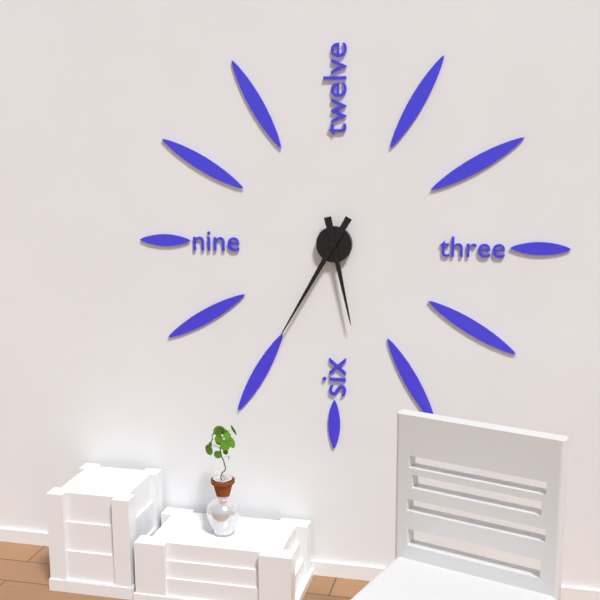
5:35
